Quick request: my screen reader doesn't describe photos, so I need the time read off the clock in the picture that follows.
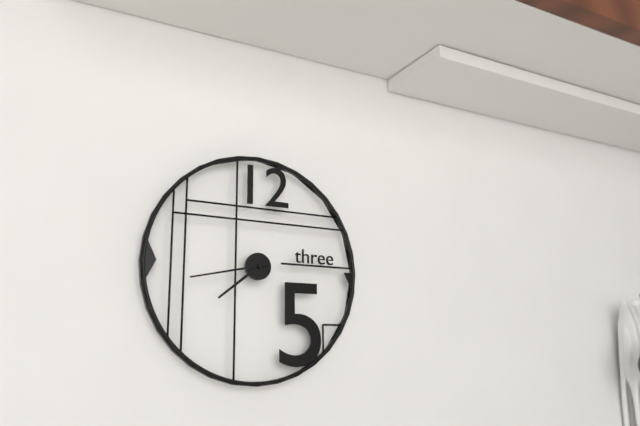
7:43
